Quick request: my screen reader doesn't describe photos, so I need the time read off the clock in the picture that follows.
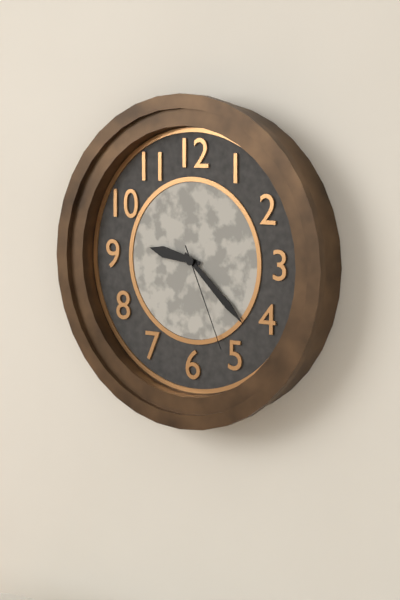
9:22:26
